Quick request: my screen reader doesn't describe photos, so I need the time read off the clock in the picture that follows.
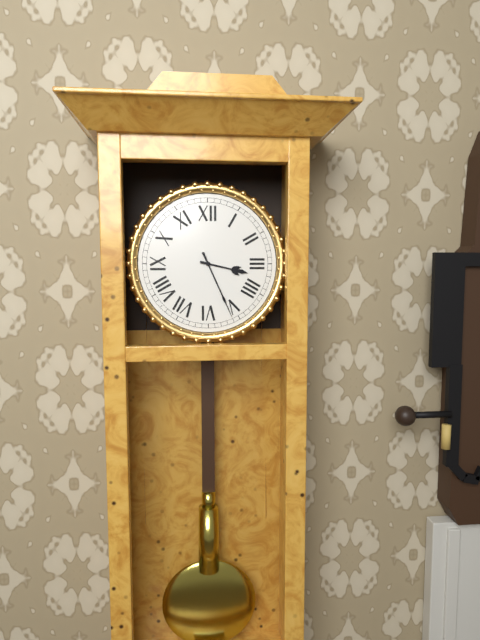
3:26
